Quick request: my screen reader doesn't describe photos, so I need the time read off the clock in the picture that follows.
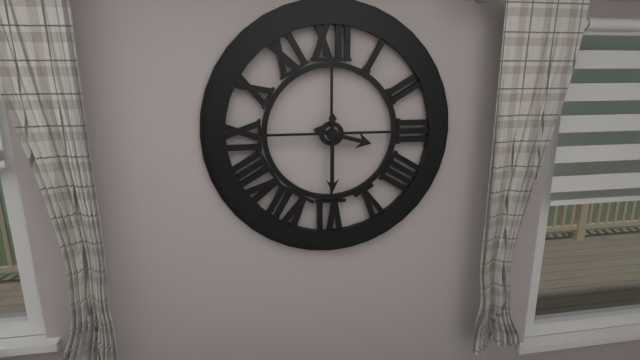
3:30
